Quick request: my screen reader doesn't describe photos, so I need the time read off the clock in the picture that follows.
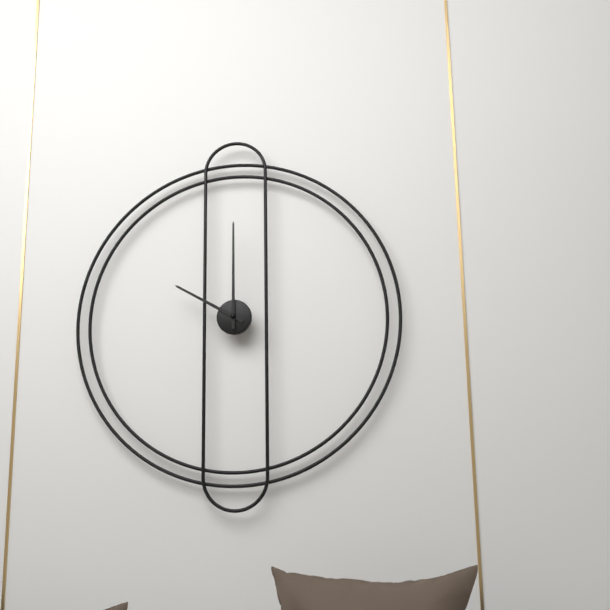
10:00
